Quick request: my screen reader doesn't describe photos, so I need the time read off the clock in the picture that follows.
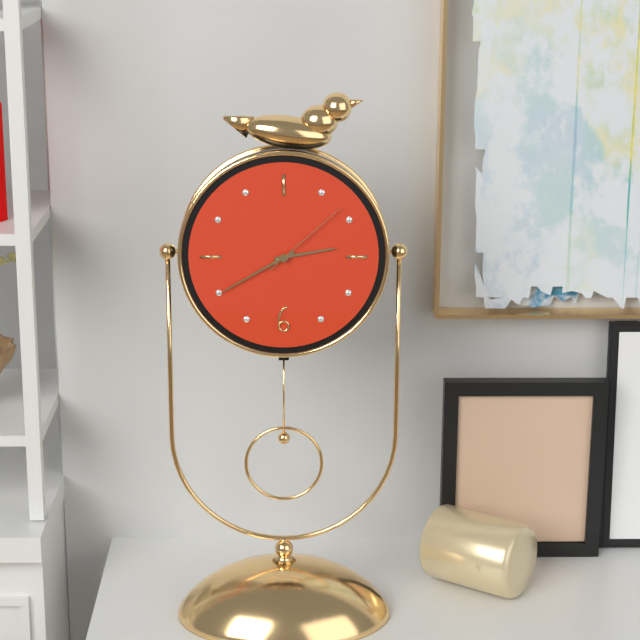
2:40:08
